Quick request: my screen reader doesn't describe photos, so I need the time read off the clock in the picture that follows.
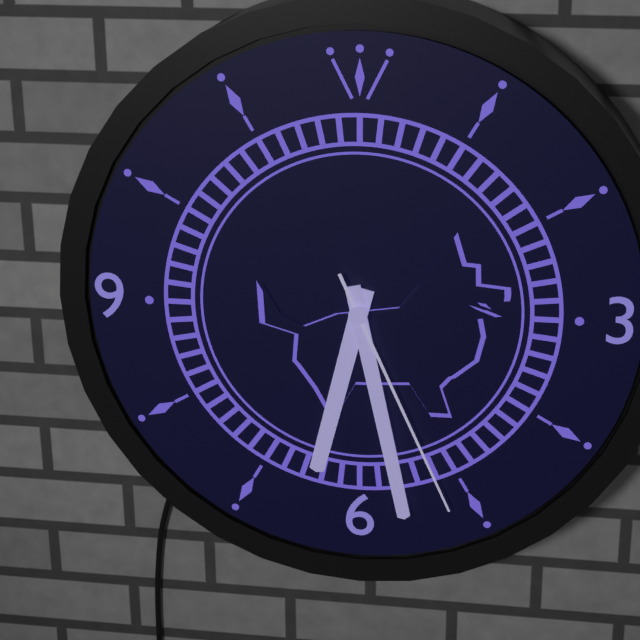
6:28:26
